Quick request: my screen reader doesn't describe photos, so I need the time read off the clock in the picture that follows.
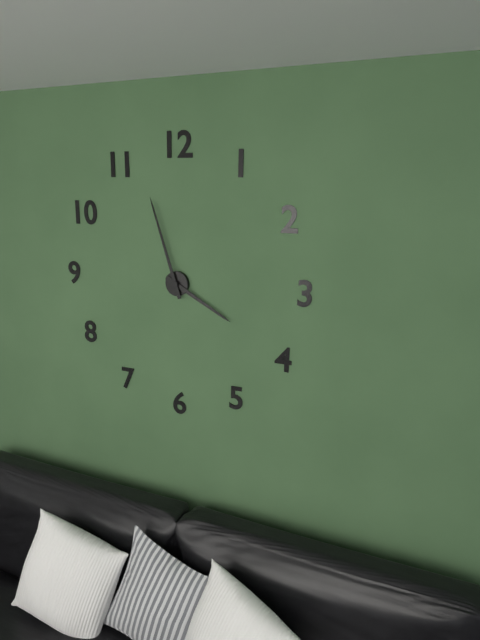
3:57
